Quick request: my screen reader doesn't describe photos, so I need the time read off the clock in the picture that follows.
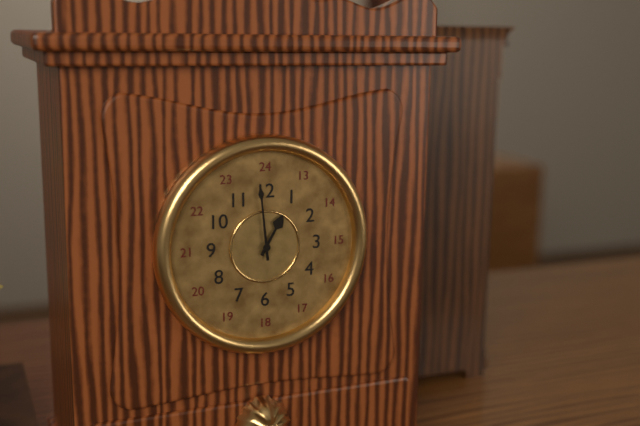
12:59
